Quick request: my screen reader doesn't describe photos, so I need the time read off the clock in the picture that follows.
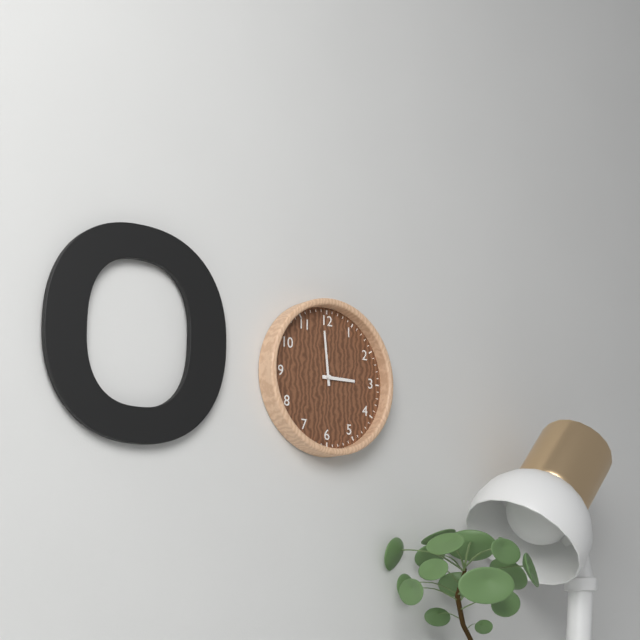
2:59
